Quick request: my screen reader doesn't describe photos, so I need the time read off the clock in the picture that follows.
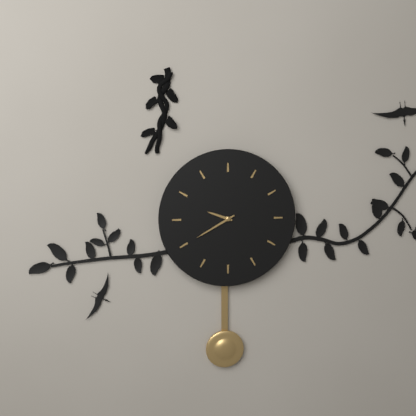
9:40
